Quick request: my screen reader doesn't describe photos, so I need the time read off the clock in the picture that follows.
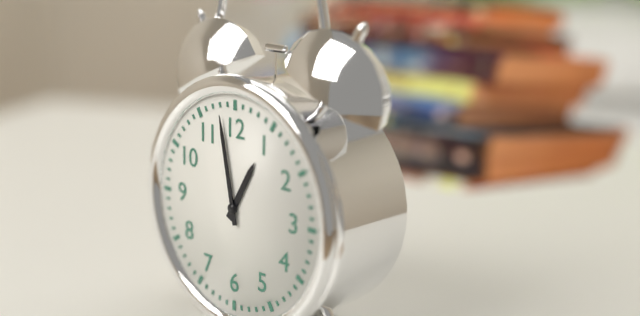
12:58
